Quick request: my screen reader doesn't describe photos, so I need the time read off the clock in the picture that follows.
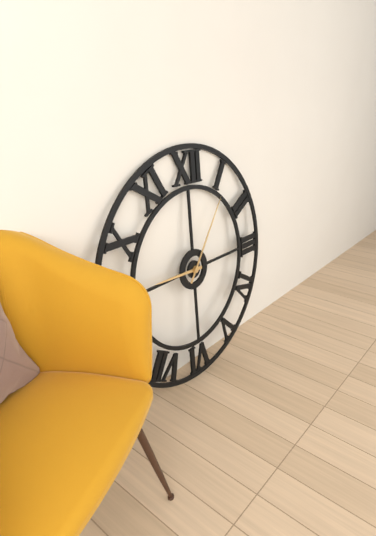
9:06
